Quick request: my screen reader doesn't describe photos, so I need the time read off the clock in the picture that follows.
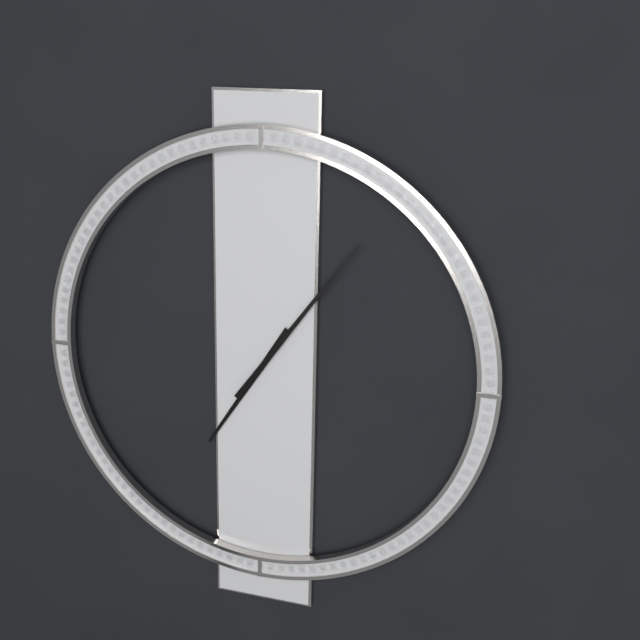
7:06
